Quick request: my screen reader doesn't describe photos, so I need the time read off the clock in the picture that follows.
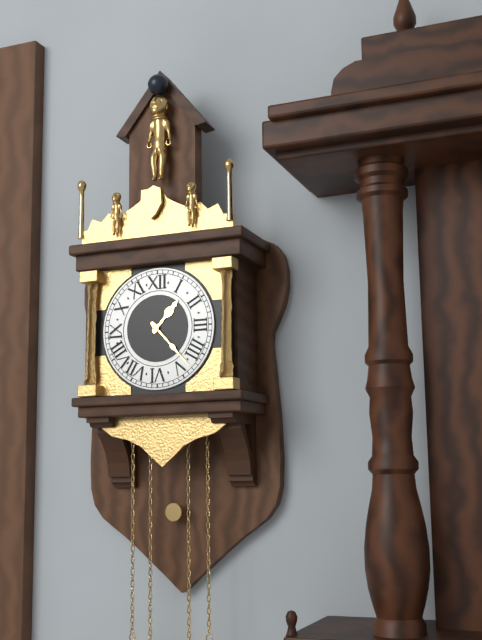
1:23
